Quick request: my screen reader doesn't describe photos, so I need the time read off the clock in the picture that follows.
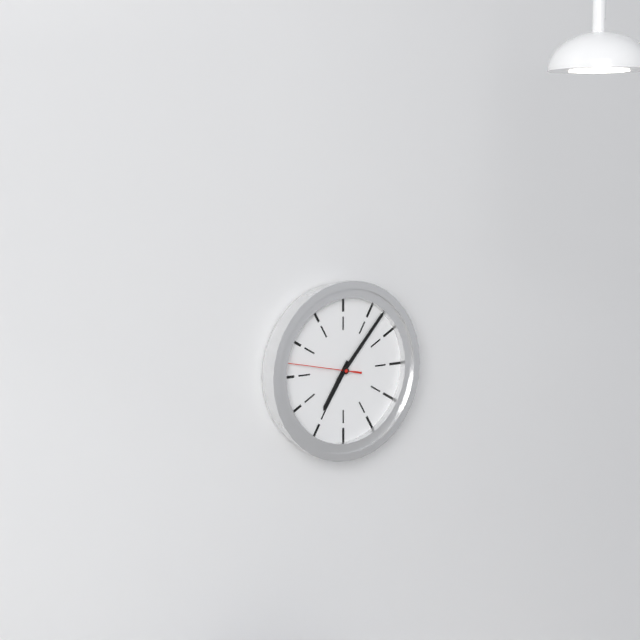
7:07:47
